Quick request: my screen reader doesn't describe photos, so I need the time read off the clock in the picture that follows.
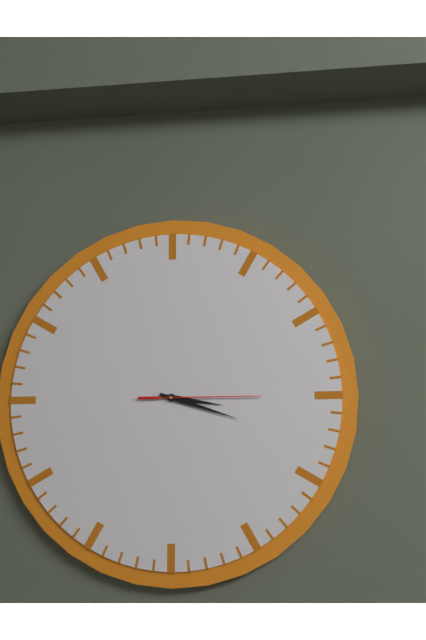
3:18:15
